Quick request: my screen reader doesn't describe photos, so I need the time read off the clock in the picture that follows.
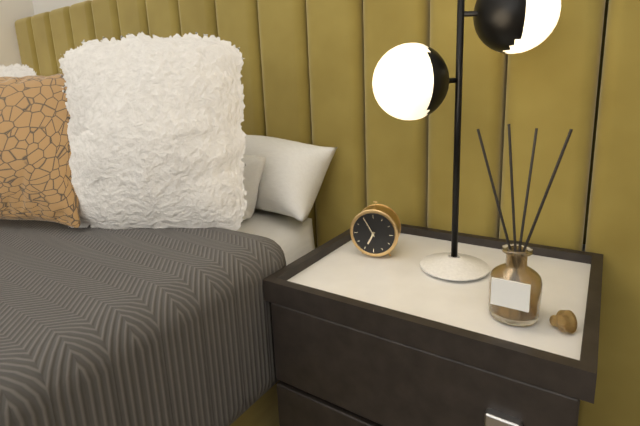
6:55
